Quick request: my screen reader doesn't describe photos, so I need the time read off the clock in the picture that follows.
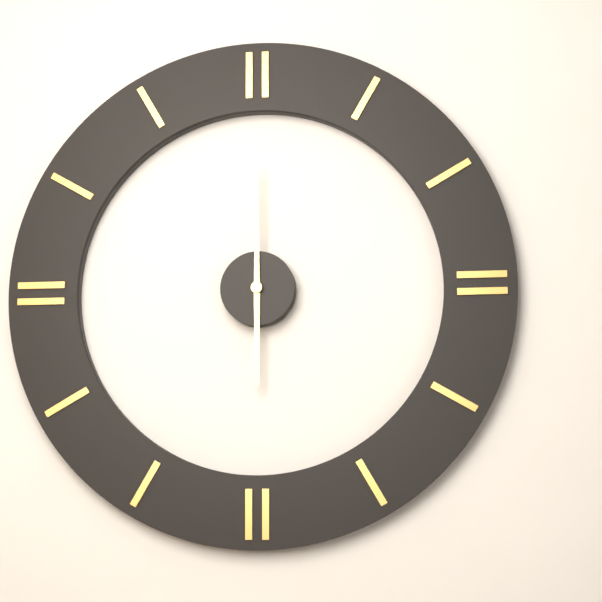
6:00
